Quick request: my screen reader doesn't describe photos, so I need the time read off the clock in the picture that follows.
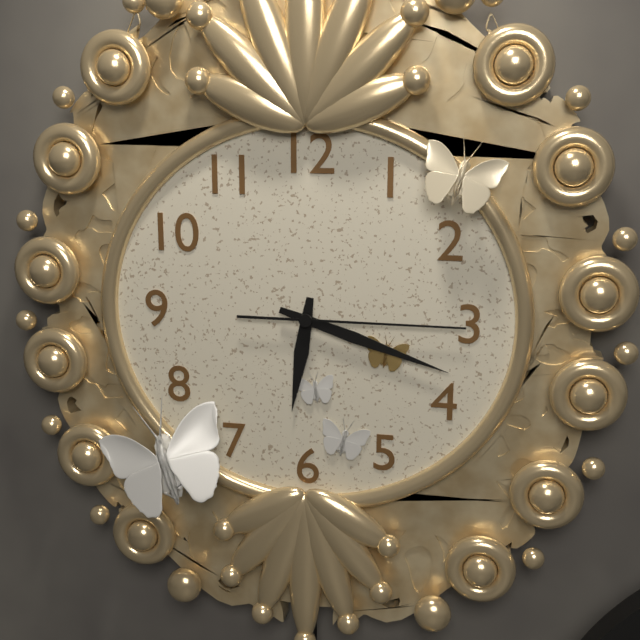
6:18:15
